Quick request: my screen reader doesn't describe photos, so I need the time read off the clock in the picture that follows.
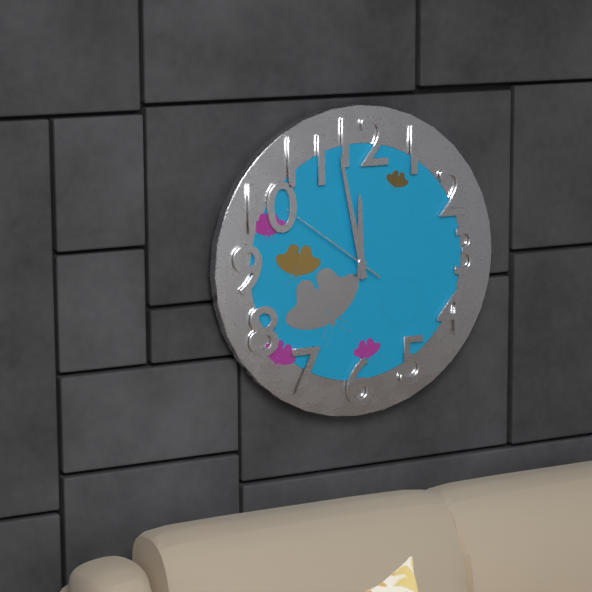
11:58:51
